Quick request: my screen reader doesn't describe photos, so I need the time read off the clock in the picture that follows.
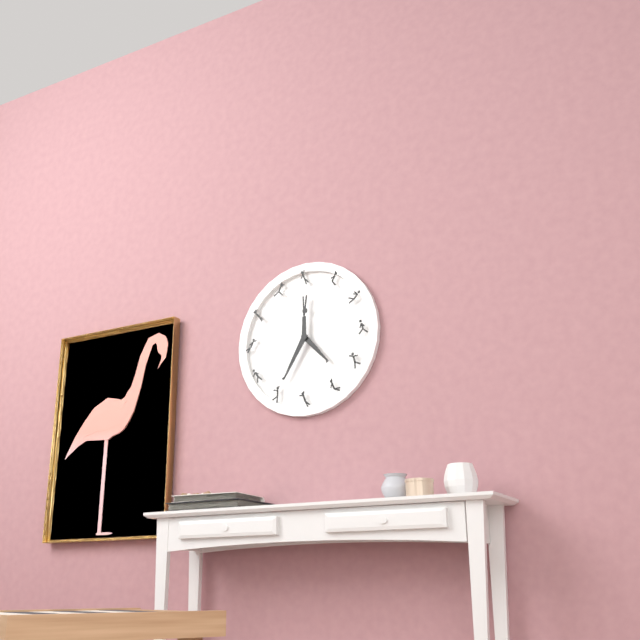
4:35
